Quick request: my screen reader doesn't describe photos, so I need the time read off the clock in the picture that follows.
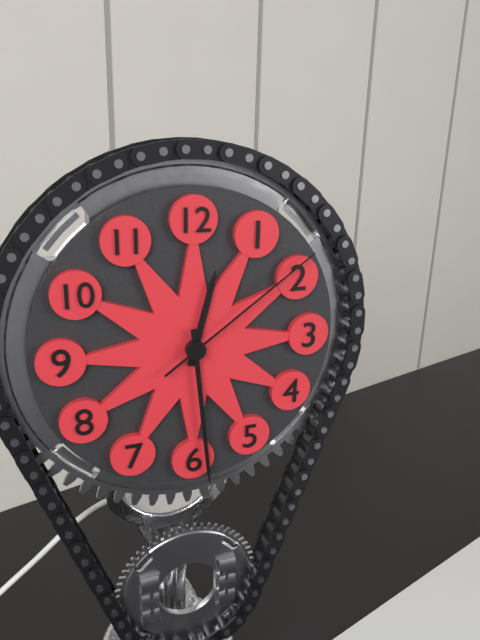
12:29:09
